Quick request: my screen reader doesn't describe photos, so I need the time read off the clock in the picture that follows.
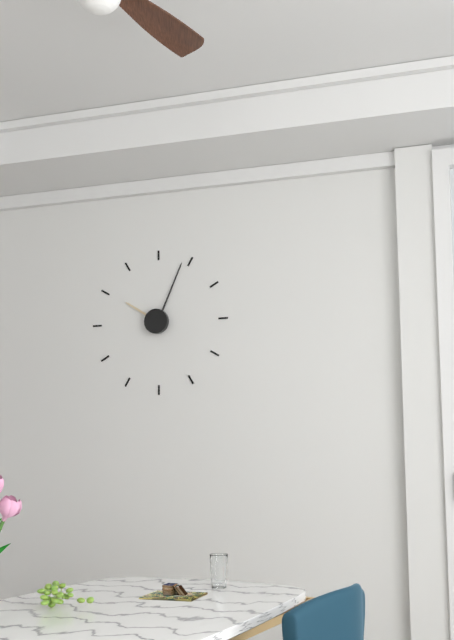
10:04
